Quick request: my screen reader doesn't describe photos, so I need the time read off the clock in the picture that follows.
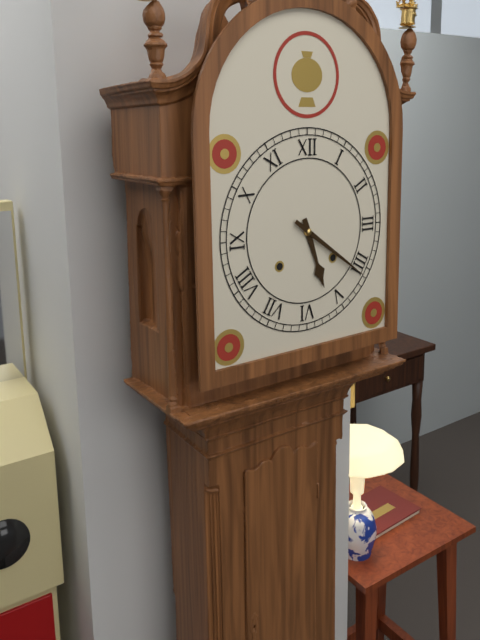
5:21
